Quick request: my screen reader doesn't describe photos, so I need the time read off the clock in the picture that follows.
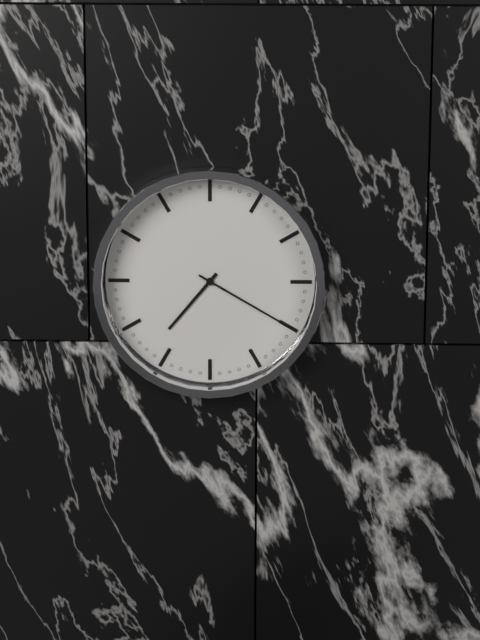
7:20
